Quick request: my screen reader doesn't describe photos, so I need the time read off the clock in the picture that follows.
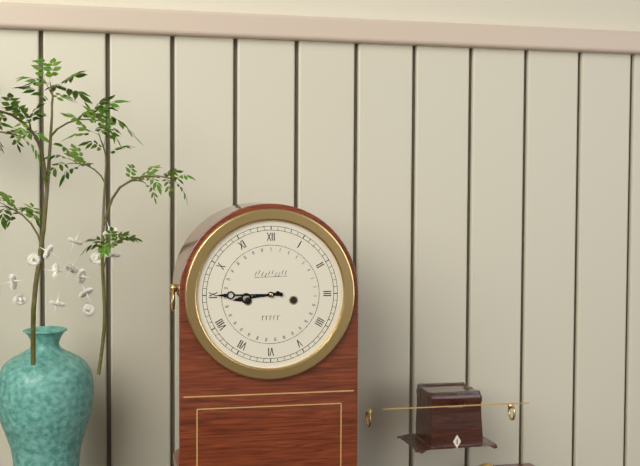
8:45
